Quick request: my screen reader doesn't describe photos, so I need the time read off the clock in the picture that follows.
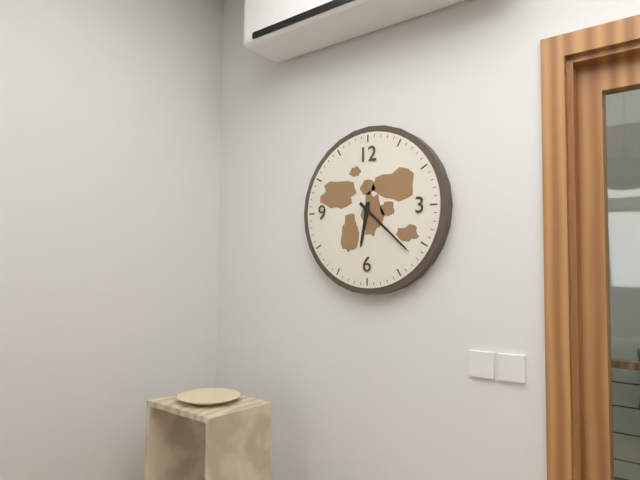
6:22
